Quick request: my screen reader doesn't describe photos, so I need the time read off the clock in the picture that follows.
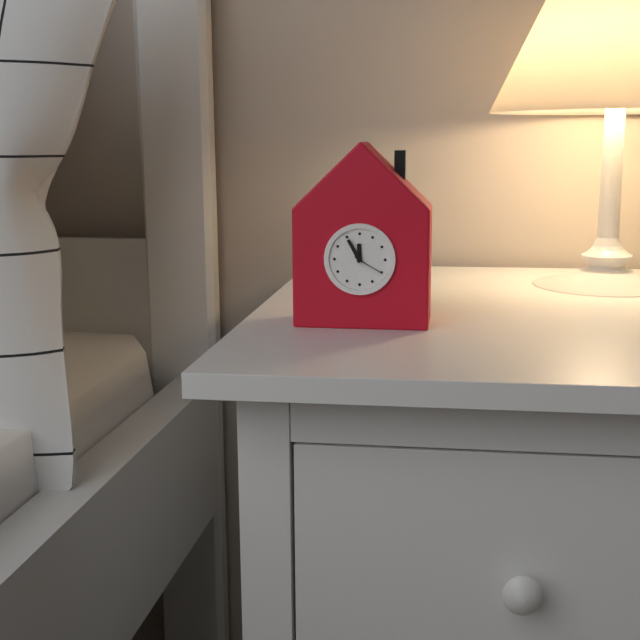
11:55
